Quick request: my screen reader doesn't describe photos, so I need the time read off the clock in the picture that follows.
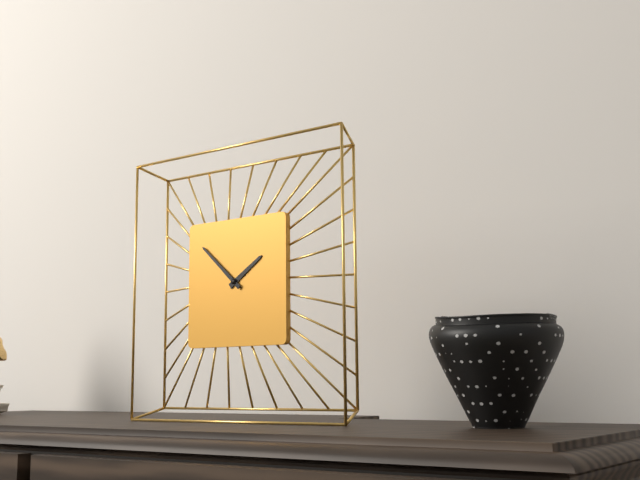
1:52
